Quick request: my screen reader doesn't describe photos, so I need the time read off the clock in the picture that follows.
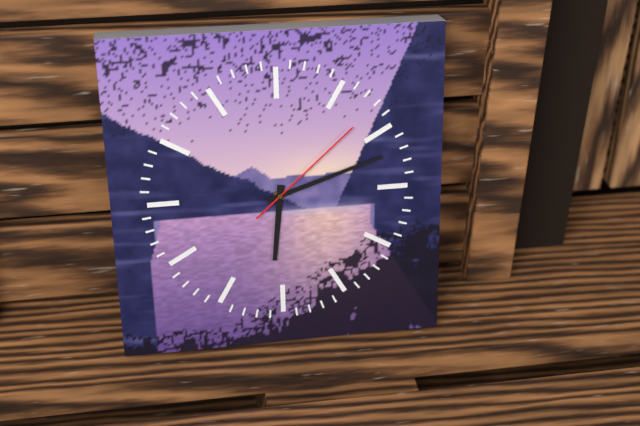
6:12:08
